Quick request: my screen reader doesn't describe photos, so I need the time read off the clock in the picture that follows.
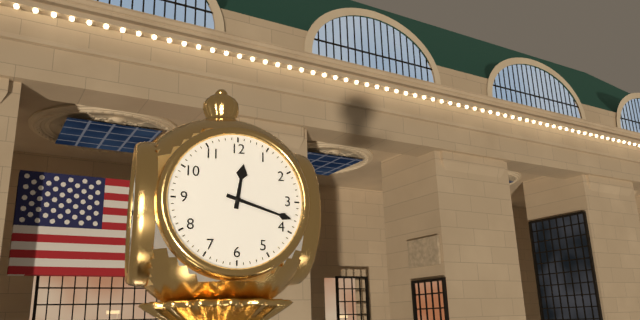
12:18
